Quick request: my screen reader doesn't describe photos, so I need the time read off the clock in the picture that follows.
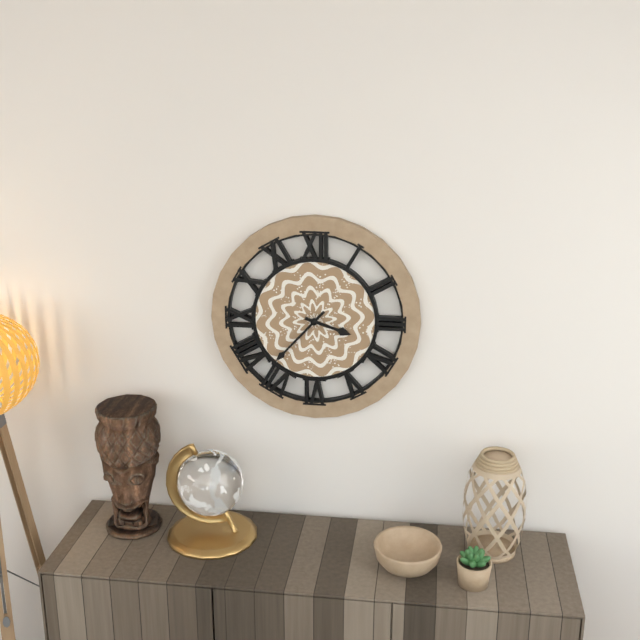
3:37
